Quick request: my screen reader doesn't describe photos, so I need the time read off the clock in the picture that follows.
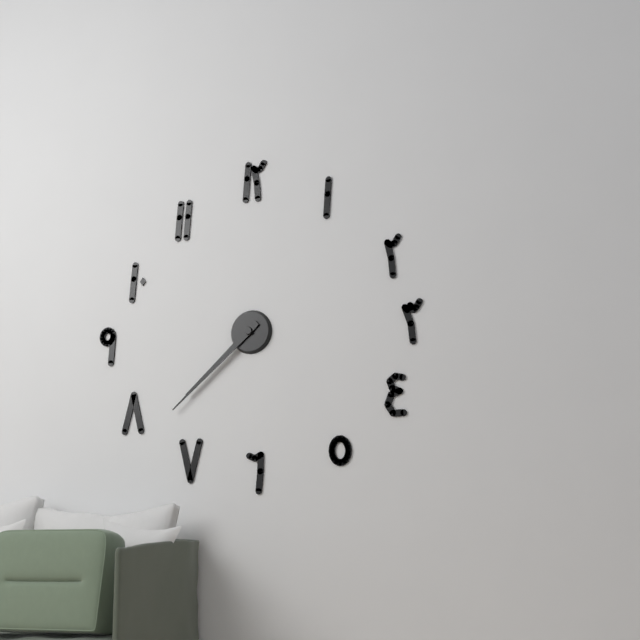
7:38
